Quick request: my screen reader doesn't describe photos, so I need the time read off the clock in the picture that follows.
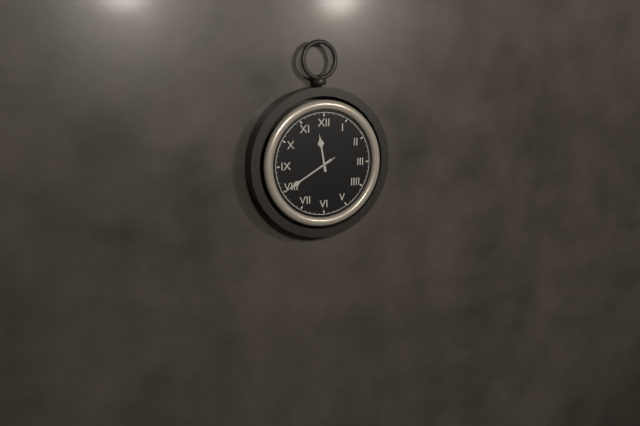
11:40:40
